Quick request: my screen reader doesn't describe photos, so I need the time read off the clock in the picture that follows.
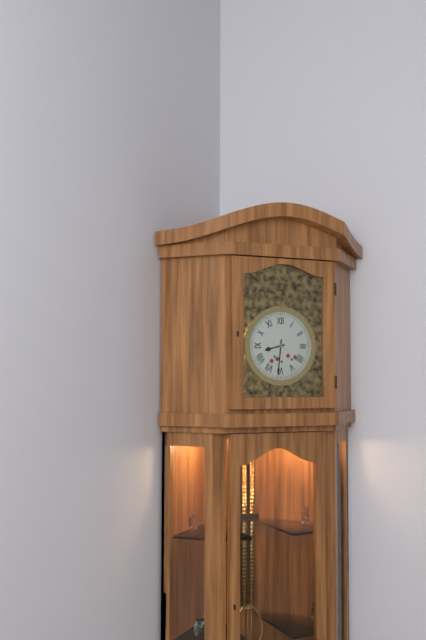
8:31
